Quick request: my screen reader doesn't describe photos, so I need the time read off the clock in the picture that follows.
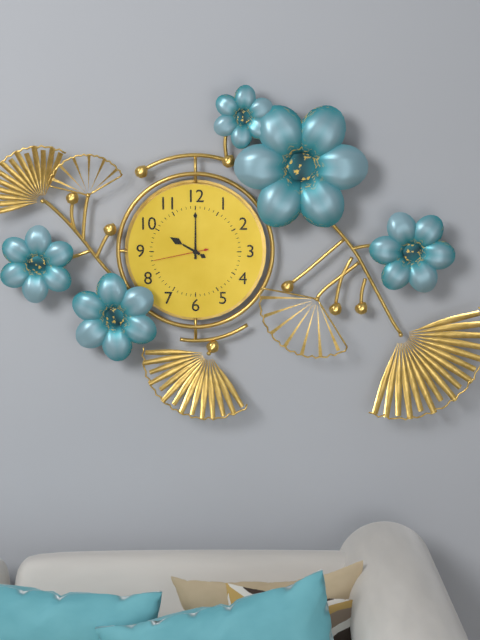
10:00:43
